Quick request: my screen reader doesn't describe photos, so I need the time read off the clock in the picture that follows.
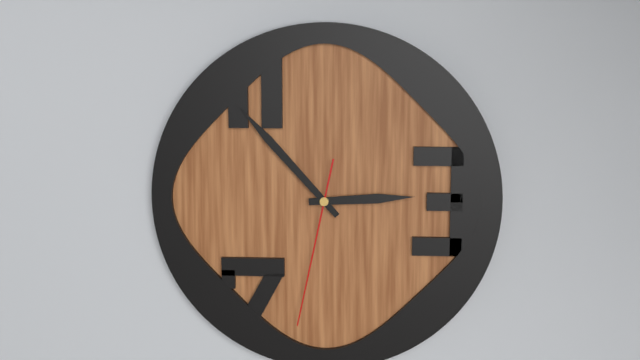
2:53:32
